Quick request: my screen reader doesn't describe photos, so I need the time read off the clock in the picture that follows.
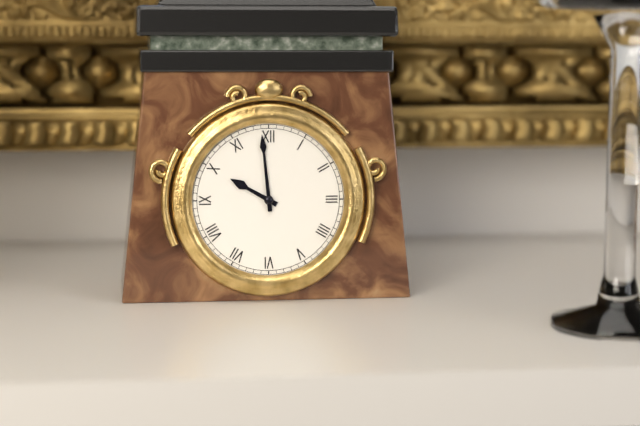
9:59
